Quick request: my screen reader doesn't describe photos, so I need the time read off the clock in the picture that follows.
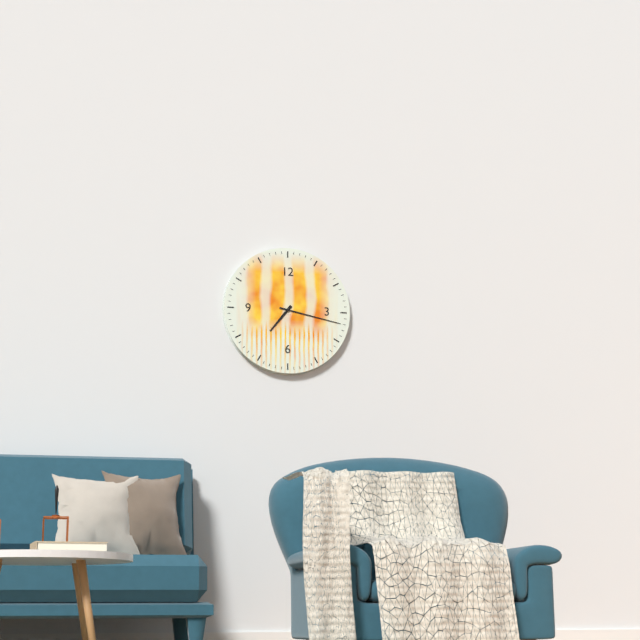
7:17
